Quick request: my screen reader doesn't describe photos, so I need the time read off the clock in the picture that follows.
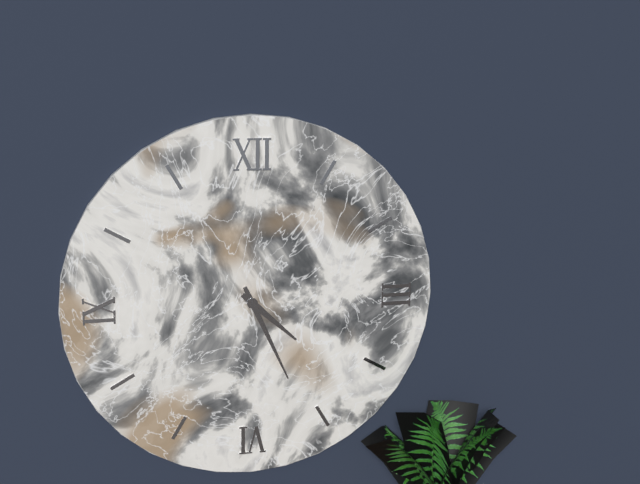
4:26
